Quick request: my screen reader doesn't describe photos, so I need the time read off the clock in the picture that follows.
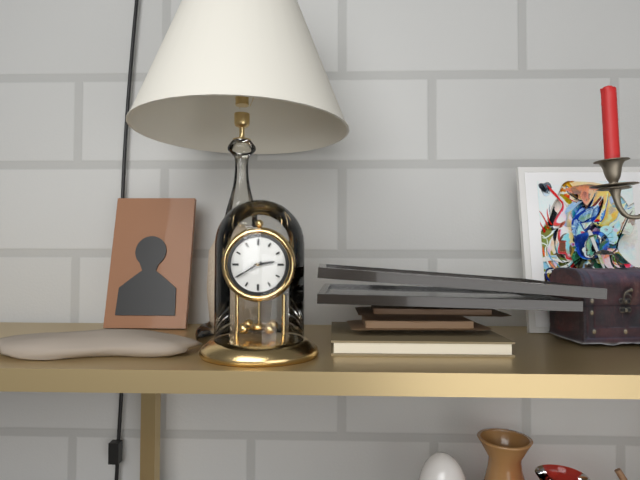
2:40
